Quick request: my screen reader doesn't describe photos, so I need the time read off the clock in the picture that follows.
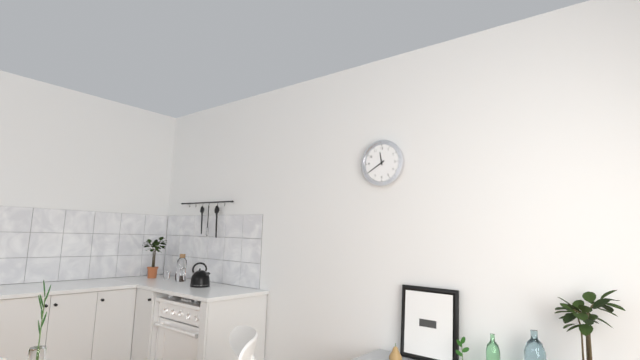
11:40
